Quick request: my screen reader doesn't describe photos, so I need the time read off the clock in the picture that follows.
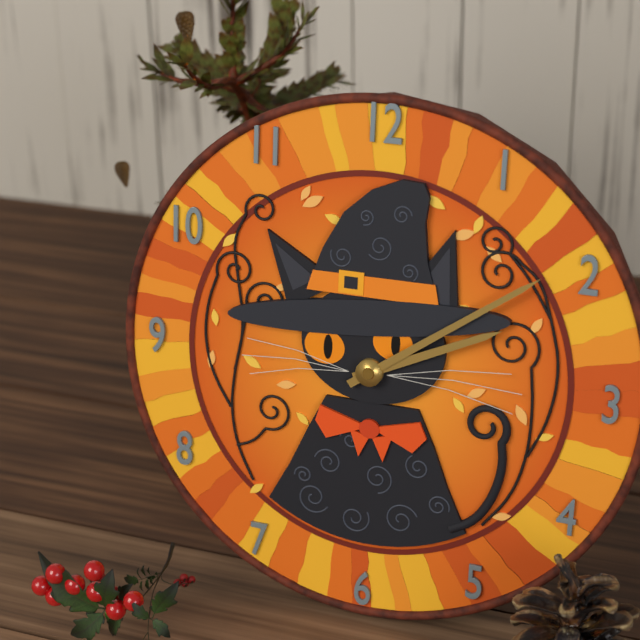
2:09
